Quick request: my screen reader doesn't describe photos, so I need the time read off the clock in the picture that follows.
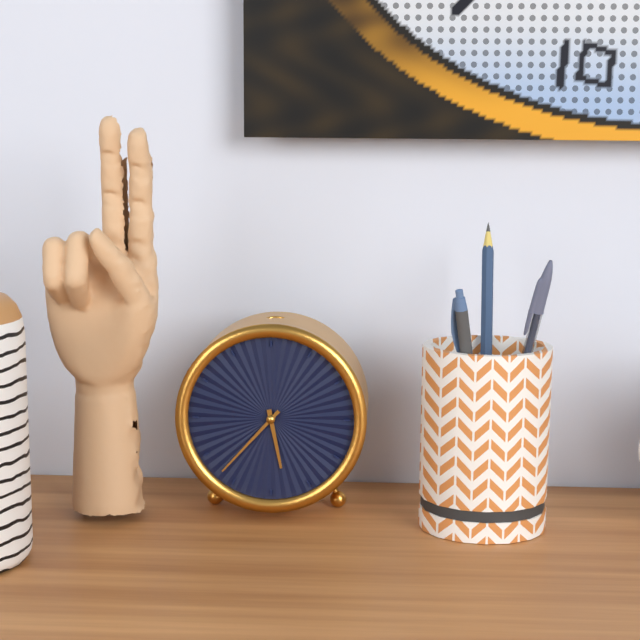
5:37
